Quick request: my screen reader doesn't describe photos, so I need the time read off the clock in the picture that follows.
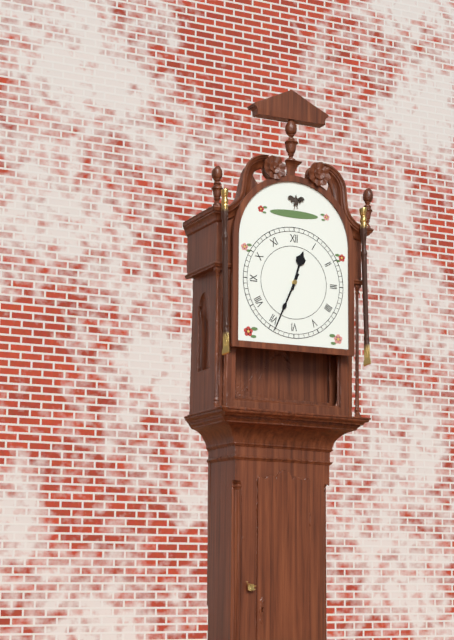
12:34
